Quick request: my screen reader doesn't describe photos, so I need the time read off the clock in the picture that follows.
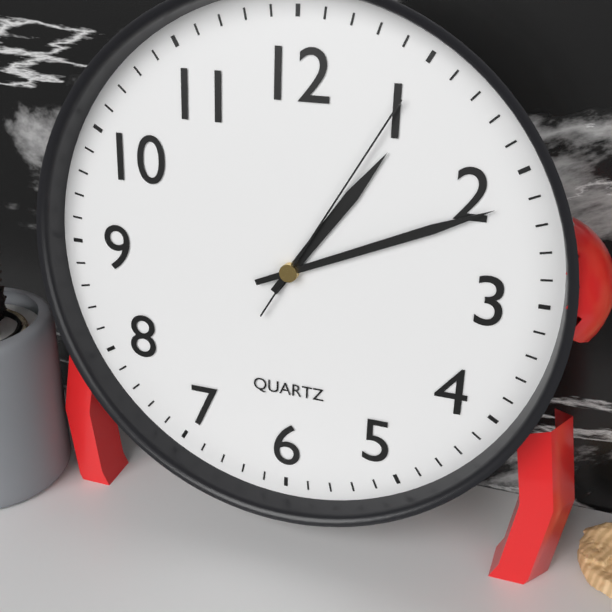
1:11:05
